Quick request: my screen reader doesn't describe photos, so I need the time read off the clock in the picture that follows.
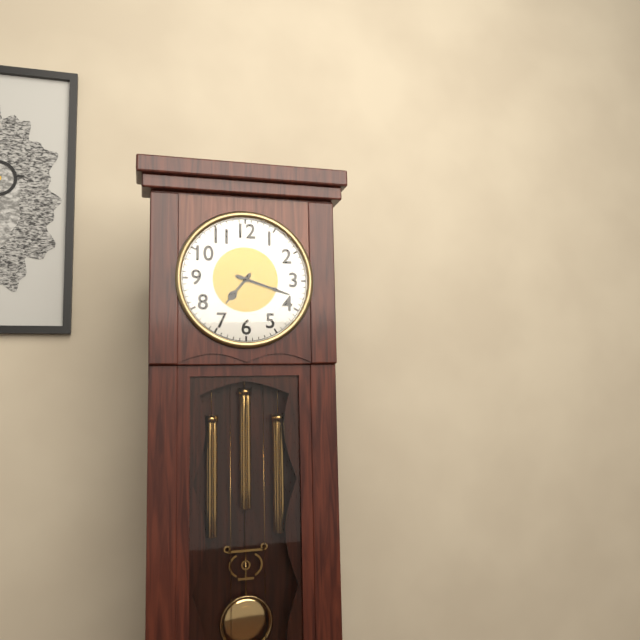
7:18
